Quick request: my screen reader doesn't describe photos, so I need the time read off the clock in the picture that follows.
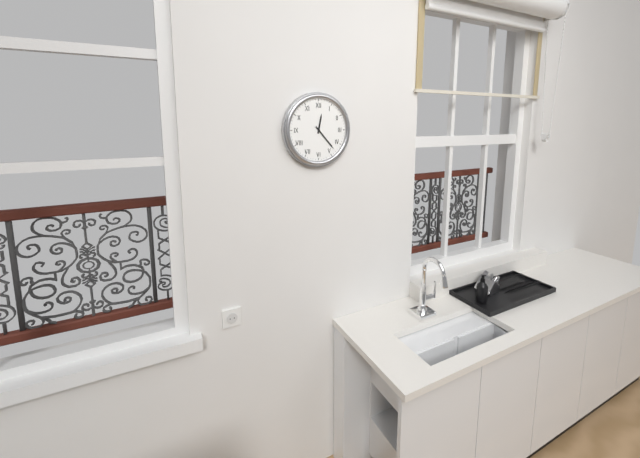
12:23
